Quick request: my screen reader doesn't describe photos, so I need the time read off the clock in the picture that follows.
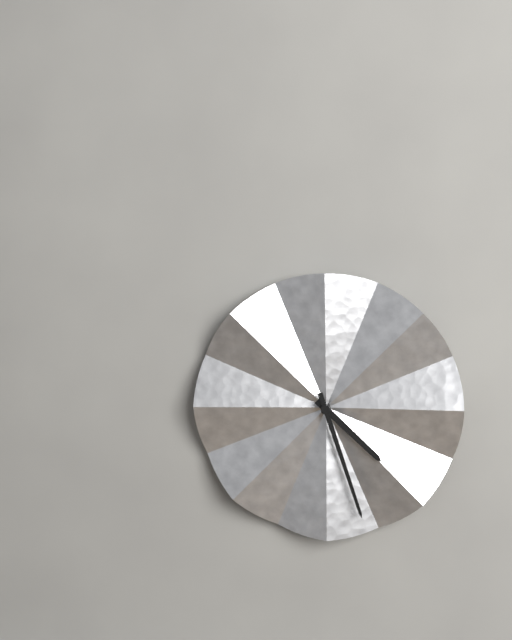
4:27
